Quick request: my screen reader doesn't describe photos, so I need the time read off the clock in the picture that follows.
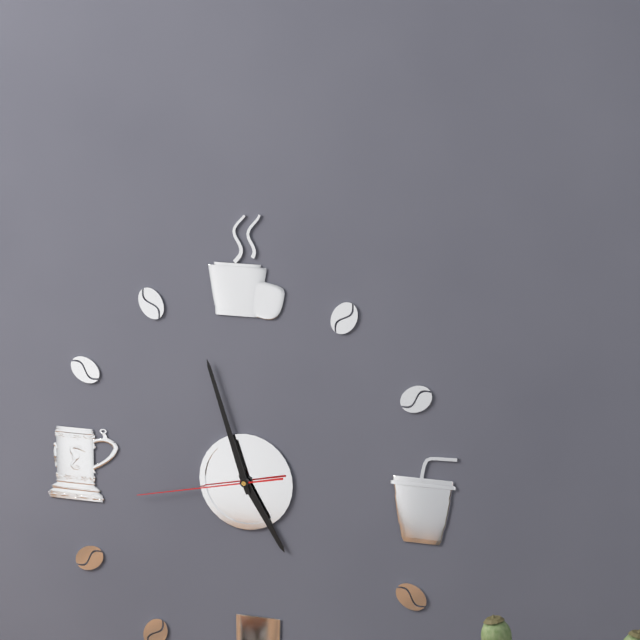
4:57:43
